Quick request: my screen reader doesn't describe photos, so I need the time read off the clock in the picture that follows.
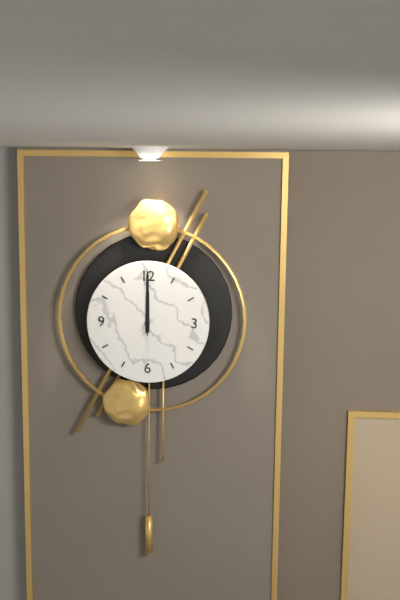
12:00:00
